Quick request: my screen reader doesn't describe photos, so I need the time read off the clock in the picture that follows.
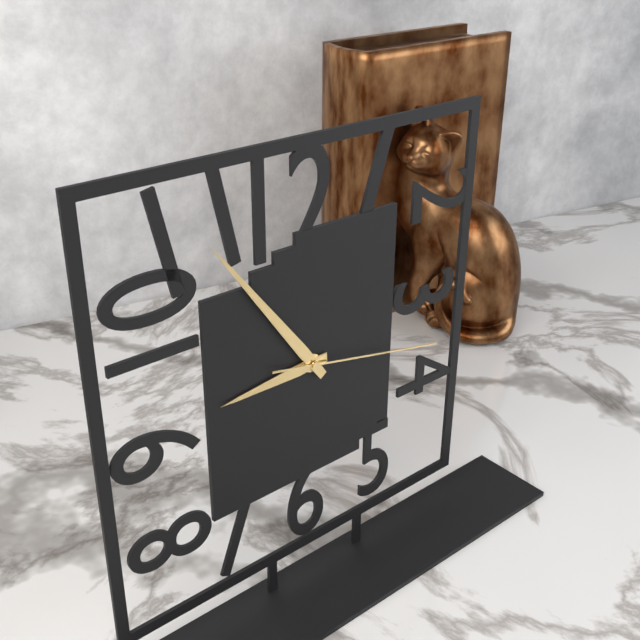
8:54:17
